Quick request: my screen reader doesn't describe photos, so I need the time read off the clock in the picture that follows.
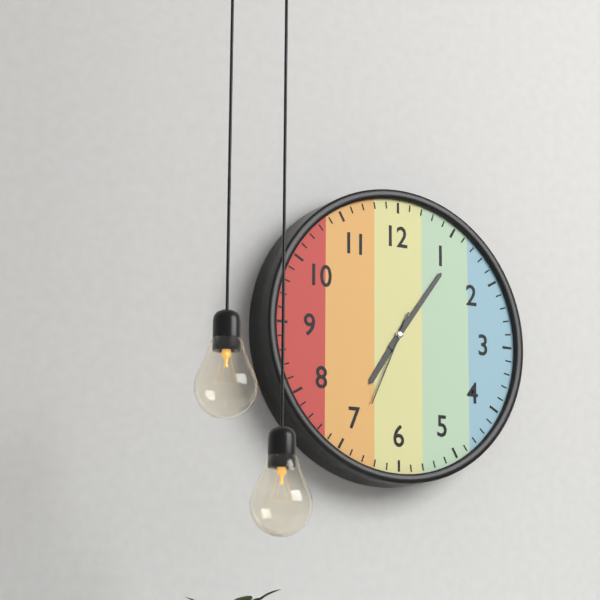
7:06:34
